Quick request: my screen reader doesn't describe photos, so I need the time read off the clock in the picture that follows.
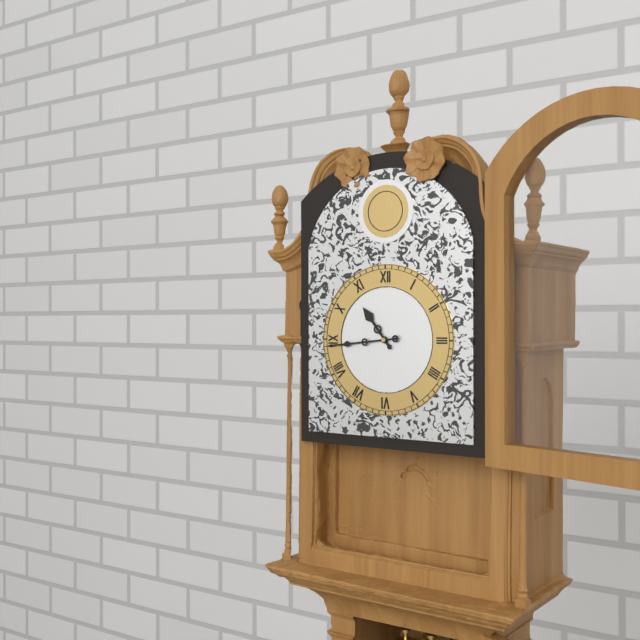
10:44
